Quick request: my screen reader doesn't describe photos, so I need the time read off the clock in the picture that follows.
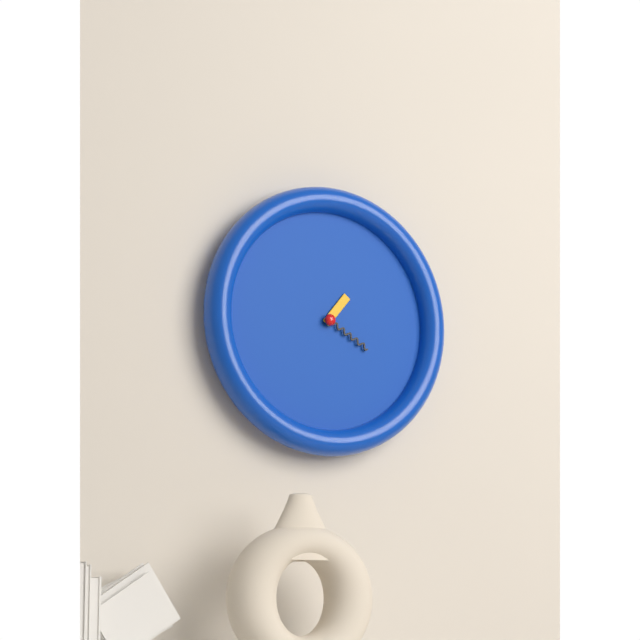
1:20
